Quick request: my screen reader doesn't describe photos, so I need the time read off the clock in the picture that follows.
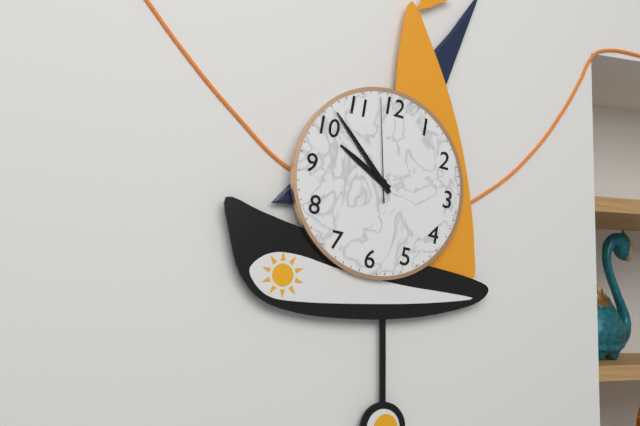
9:52:58
